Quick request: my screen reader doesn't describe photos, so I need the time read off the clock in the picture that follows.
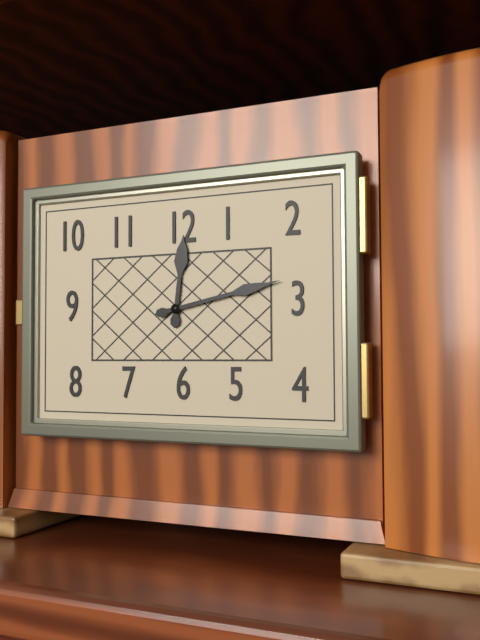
12:13
